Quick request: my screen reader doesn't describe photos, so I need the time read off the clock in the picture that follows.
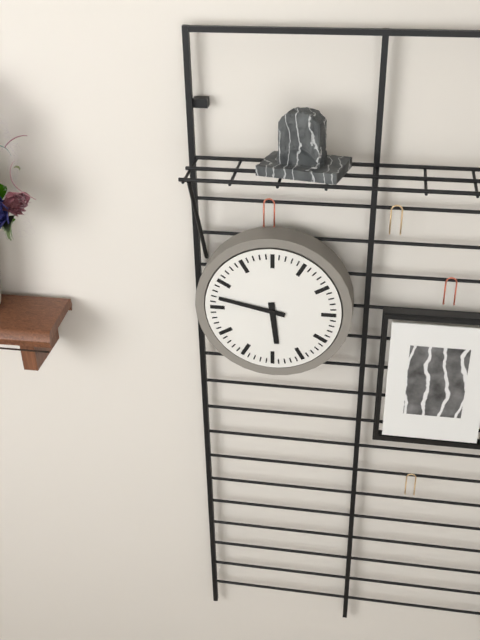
5:47
